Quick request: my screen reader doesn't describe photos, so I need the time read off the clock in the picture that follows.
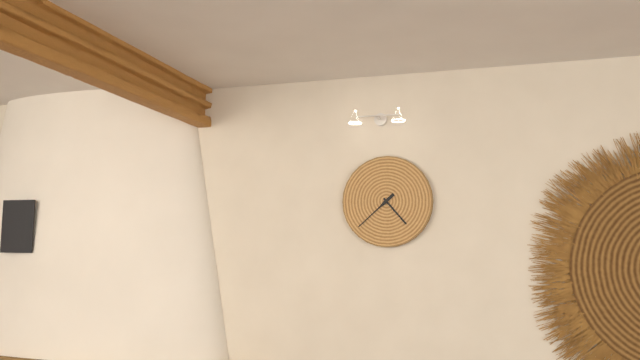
4:38
